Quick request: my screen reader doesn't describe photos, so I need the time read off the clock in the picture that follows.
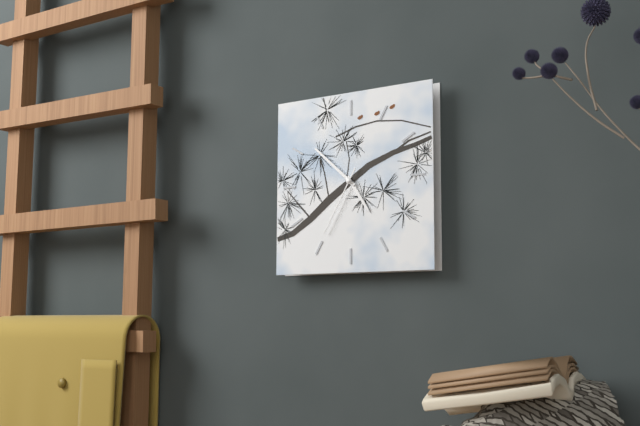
4:52:35
